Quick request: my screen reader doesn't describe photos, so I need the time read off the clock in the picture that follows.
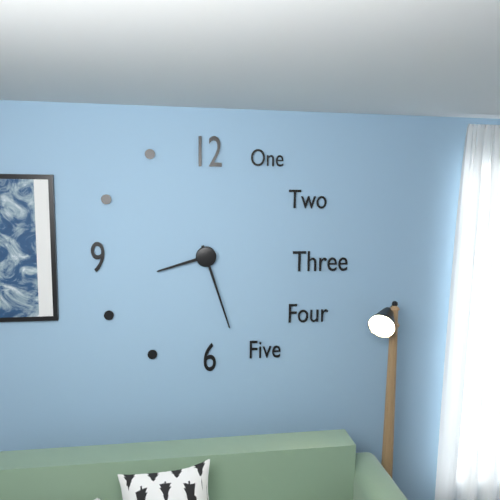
8:27
